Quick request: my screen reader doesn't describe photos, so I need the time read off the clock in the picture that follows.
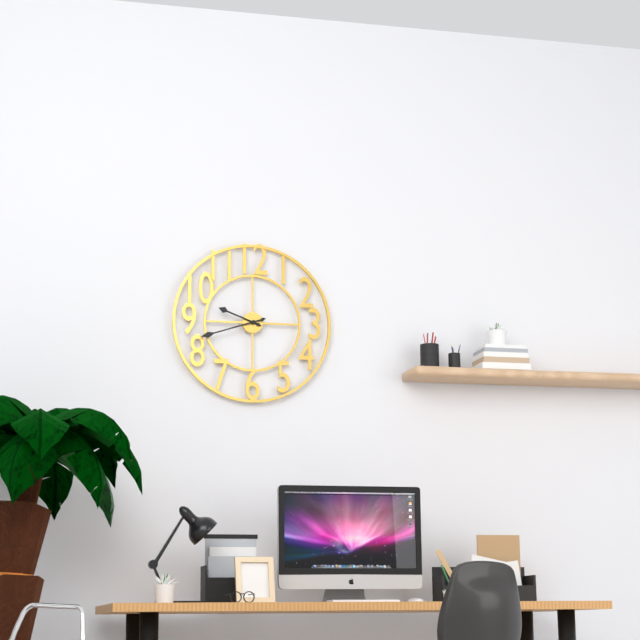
9:42
